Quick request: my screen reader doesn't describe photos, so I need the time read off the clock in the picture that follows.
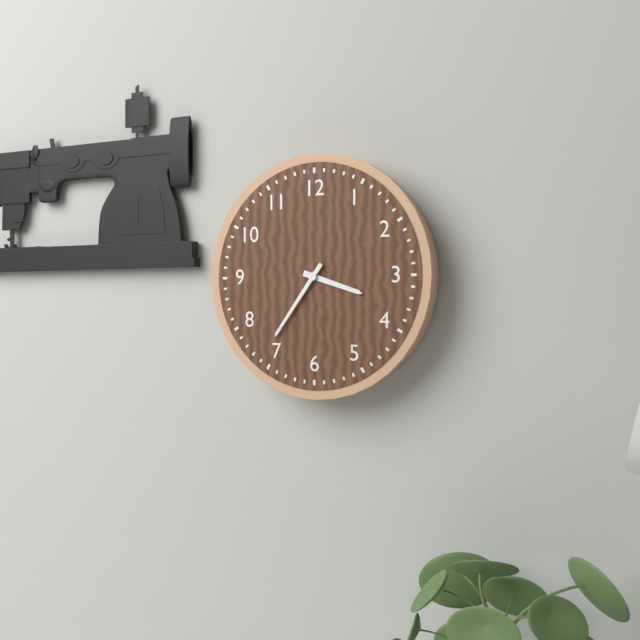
3:36
